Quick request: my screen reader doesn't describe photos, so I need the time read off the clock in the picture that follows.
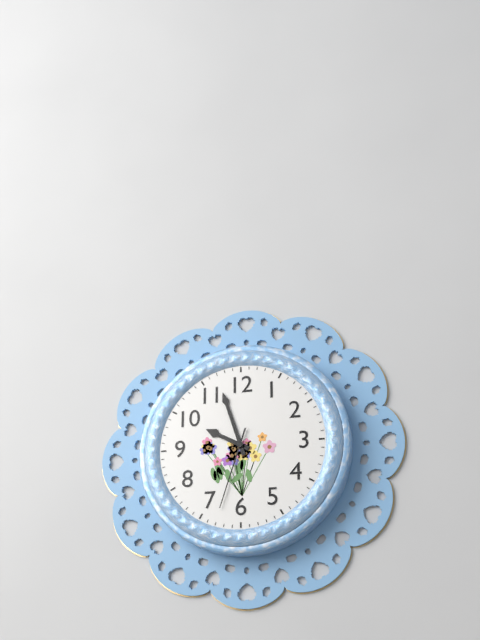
9:57:33
